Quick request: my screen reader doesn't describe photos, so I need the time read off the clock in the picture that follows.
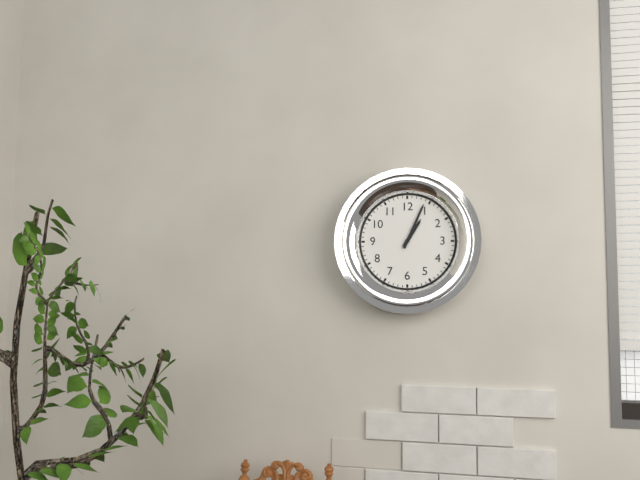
1:04
